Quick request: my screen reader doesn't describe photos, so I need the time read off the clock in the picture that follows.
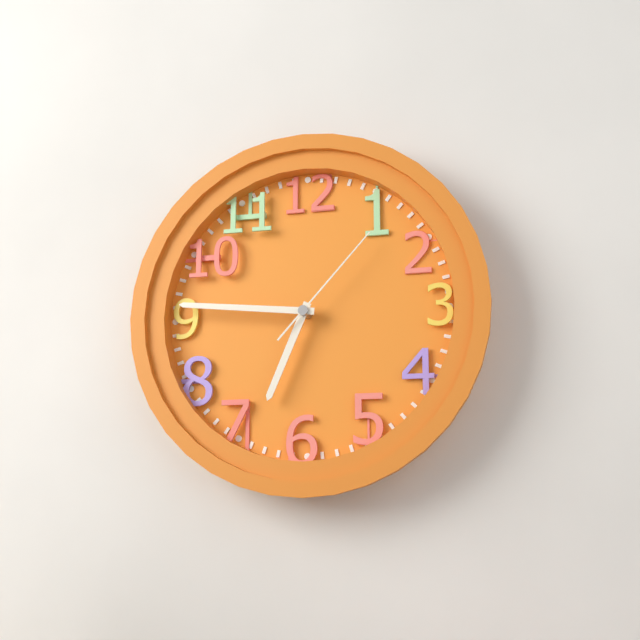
6:46:07
